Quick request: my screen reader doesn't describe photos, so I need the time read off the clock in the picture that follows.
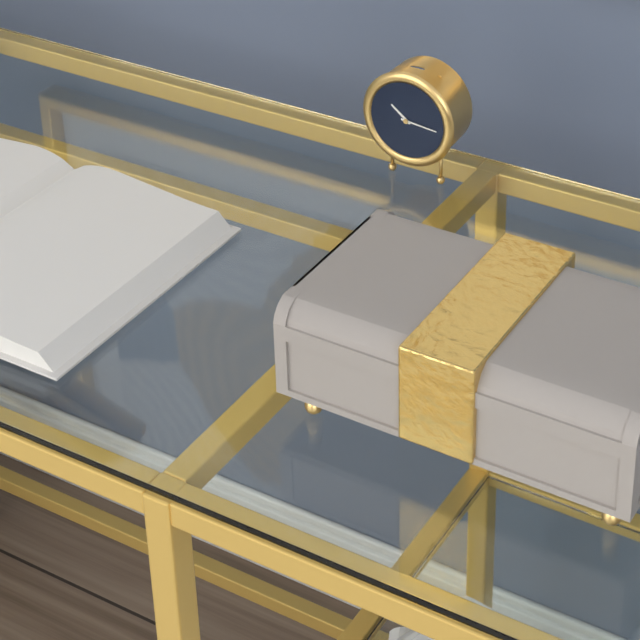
10:16
